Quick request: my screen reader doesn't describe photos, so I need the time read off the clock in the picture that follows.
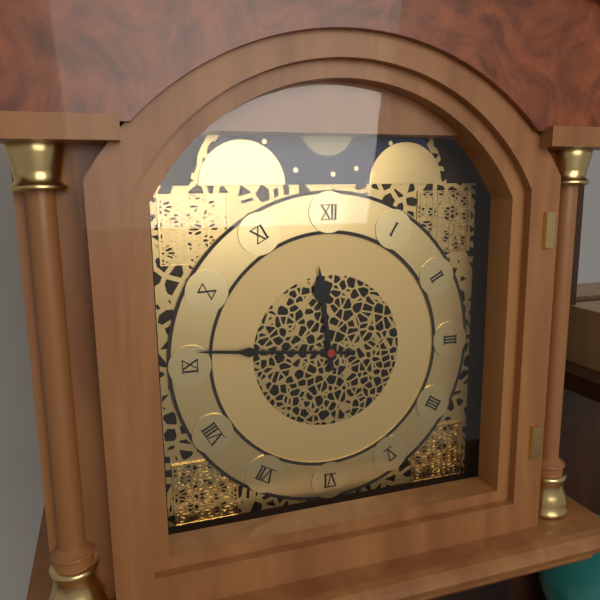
11:46
